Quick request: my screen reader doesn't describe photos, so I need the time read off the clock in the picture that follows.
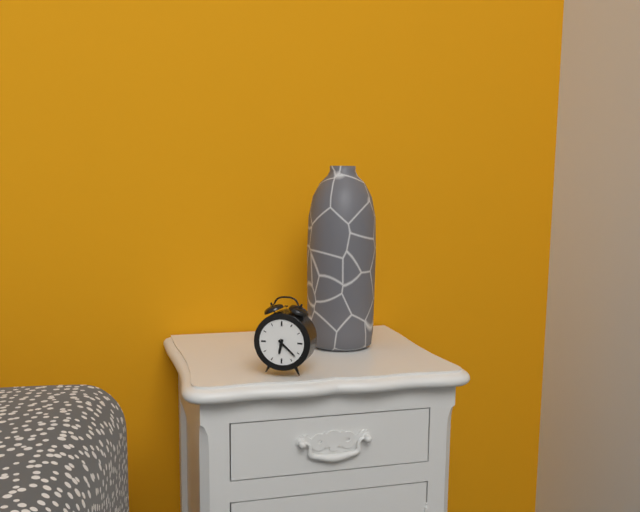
6:22
